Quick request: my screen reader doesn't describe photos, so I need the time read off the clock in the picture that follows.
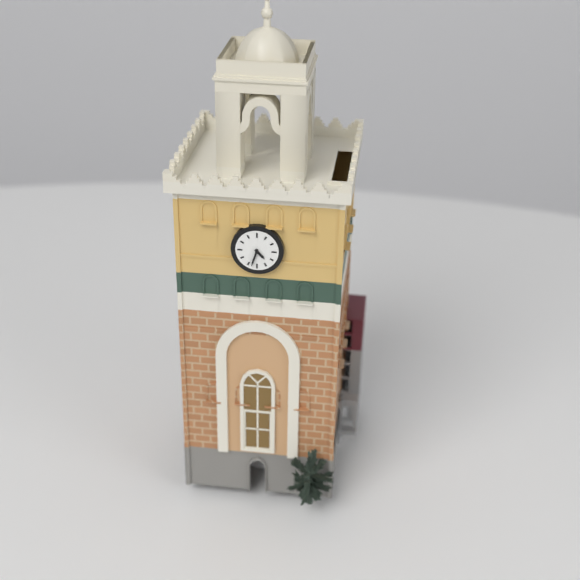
4:33
